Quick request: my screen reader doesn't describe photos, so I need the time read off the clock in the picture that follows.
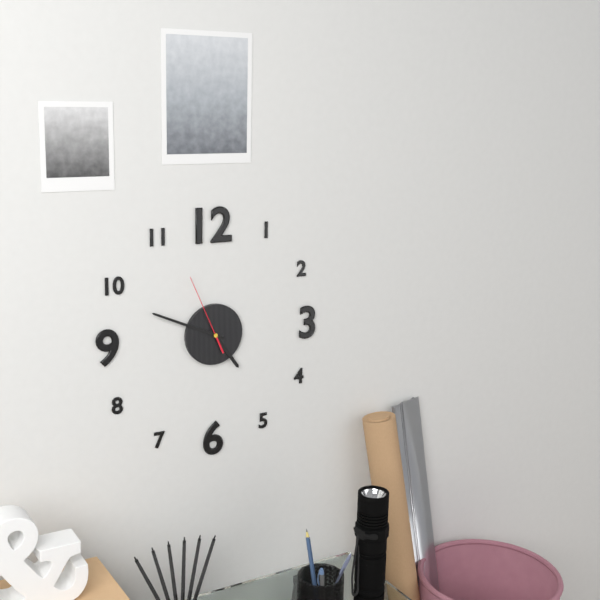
4:49:56
